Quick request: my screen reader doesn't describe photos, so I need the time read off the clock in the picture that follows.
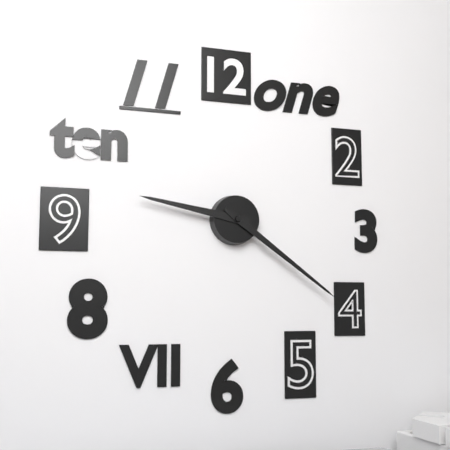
9:21
